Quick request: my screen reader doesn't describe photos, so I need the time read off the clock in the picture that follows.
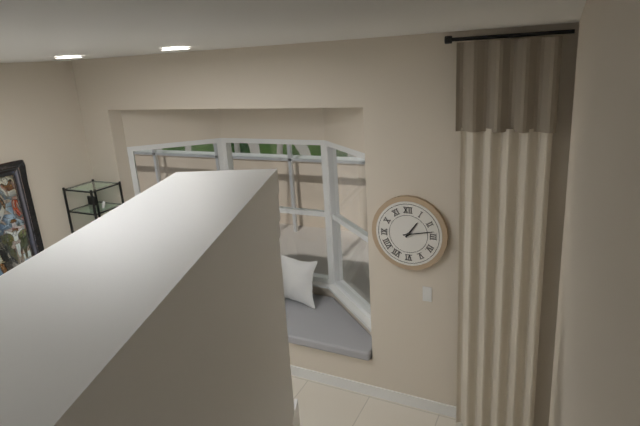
1:13
